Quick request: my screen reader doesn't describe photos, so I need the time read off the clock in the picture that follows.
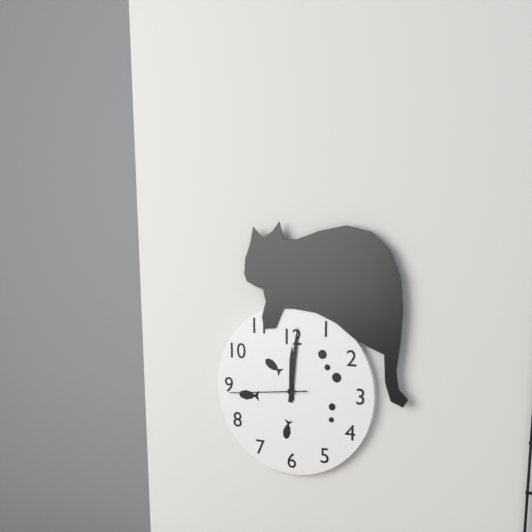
12:01:44
